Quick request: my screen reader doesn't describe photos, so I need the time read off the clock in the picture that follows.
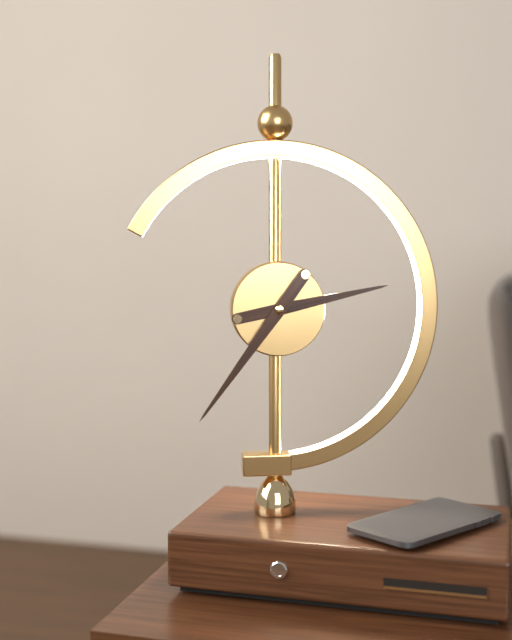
2:36
